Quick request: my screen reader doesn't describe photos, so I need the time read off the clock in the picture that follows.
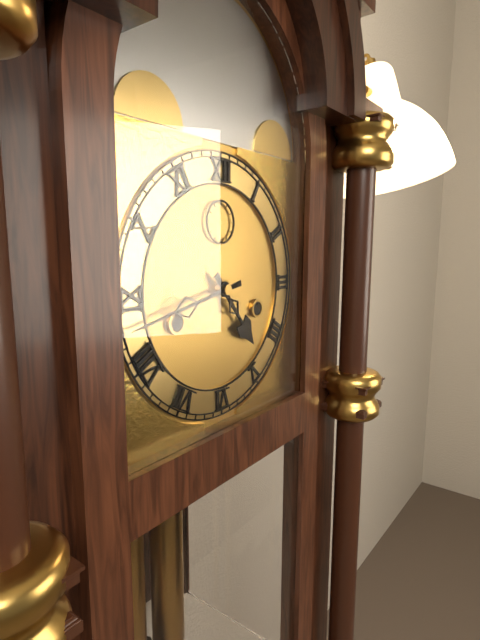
4:43
